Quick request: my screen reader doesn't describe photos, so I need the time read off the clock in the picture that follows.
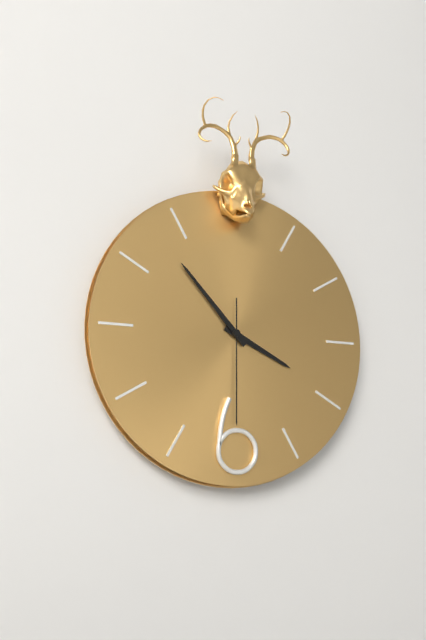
3:53:30
